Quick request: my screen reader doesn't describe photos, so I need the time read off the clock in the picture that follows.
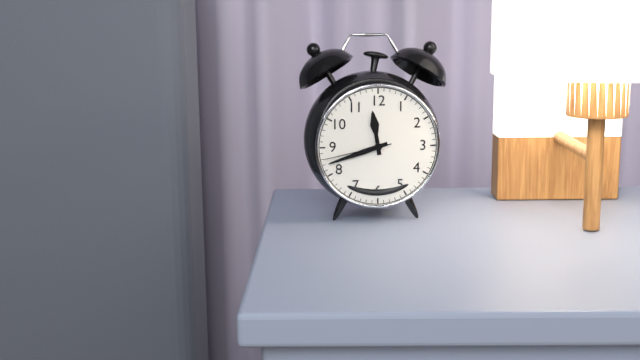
11:42:43
